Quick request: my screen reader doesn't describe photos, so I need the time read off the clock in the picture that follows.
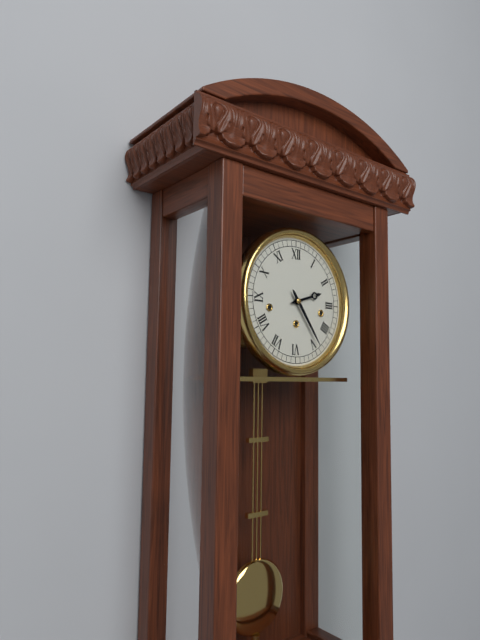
2:24
